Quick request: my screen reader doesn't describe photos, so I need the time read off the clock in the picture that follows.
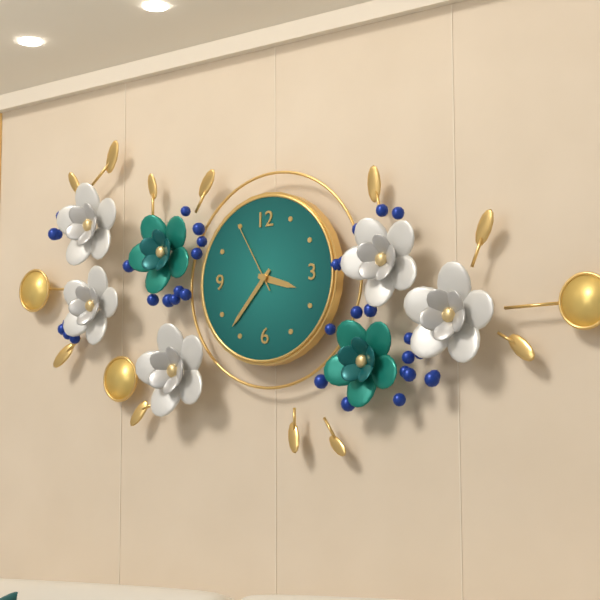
3:37:55
